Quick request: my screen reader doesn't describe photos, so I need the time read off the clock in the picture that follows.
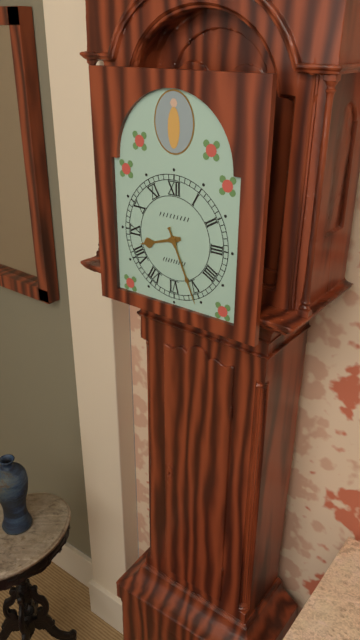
8:26
